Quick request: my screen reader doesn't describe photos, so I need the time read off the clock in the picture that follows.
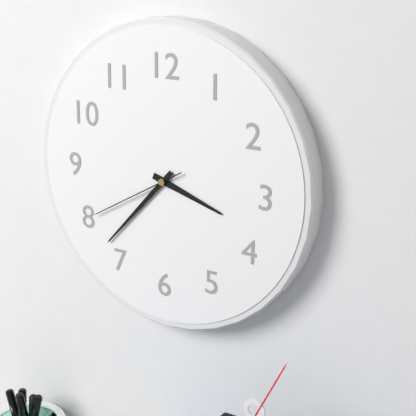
3:37:40
